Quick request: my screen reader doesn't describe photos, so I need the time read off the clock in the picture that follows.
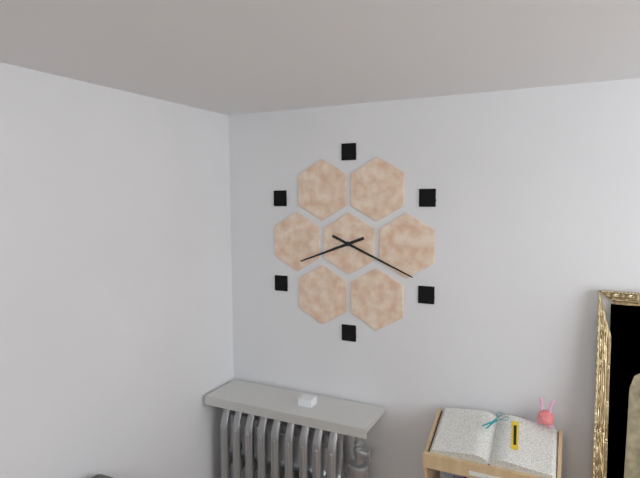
8:19
